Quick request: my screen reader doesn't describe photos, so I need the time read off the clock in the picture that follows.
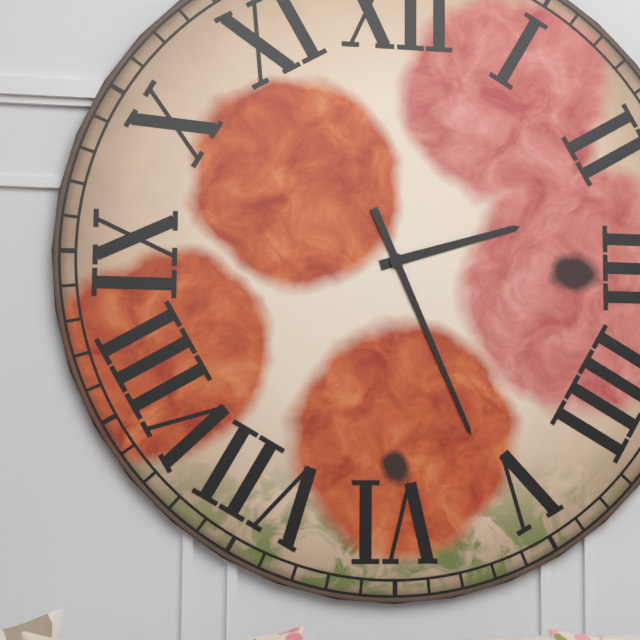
2:26
